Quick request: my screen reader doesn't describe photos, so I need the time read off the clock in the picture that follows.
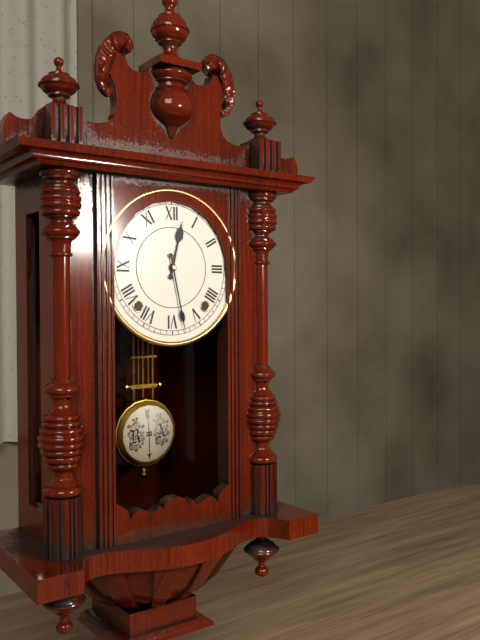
12:28
